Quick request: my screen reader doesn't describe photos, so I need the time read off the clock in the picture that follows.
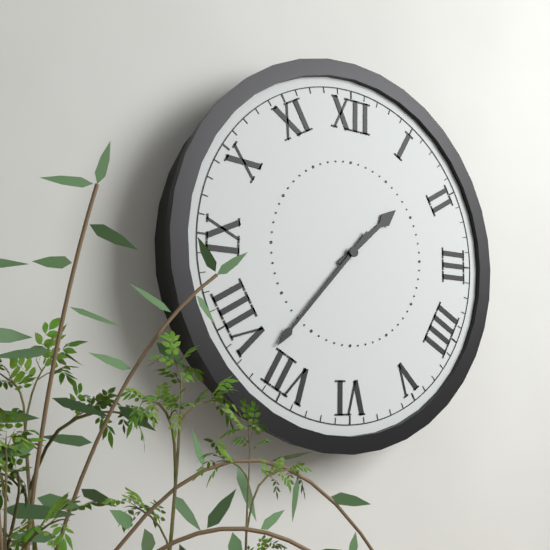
1:37
